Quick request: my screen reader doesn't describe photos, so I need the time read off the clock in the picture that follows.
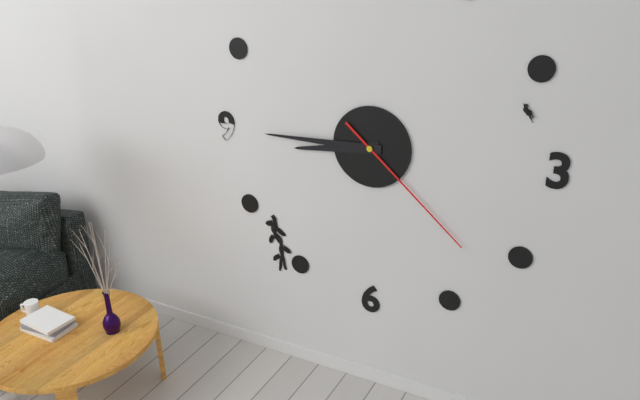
8:45:22
